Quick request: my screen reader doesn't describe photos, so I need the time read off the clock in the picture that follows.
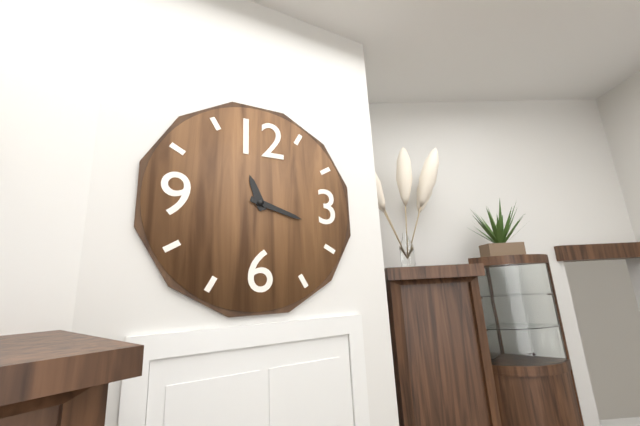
11:18
